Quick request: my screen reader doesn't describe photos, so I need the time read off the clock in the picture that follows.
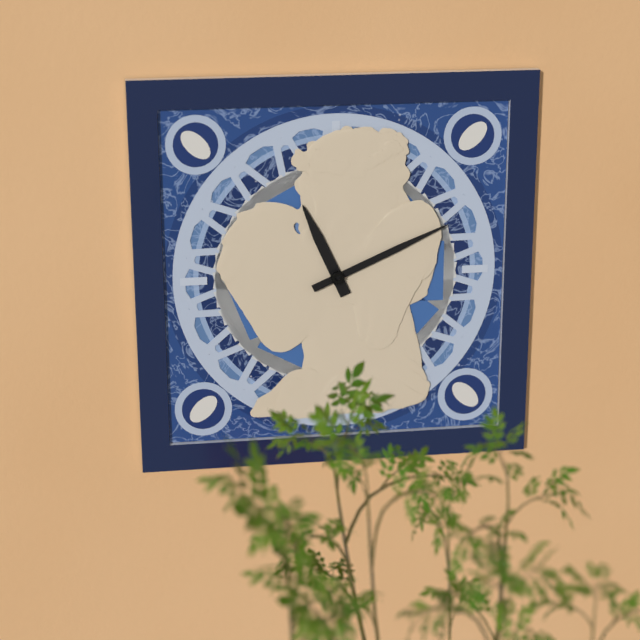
11:11
